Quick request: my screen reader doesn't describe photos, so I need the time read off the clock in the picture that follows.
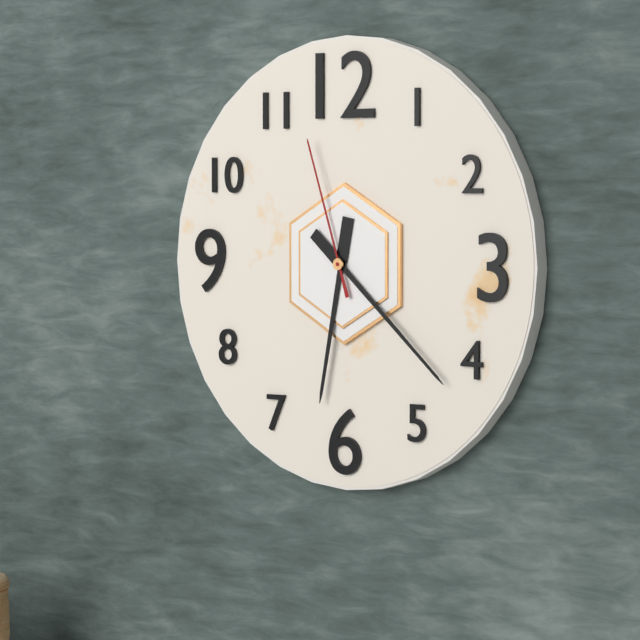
6:22:57
